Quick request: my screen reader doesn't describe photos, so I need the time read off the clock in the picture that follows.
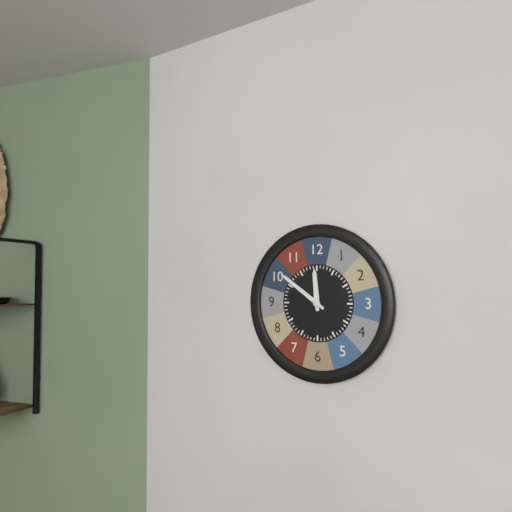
11:51
